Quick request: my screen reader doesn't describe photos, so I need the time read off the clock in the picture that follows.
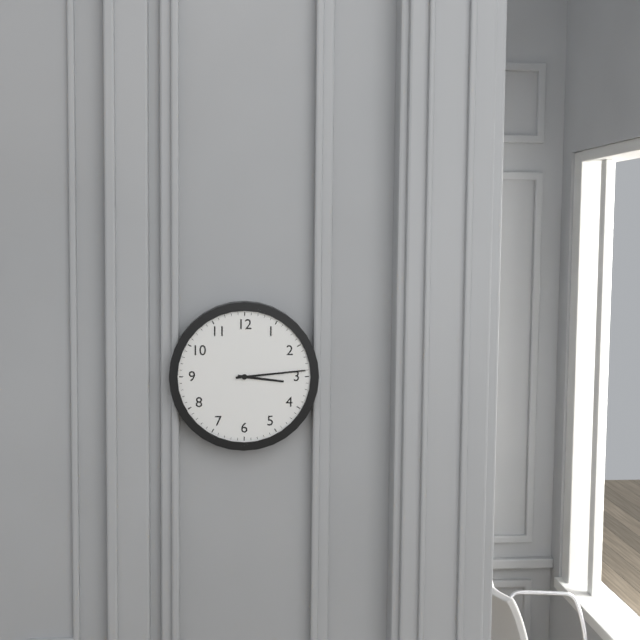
3:14
